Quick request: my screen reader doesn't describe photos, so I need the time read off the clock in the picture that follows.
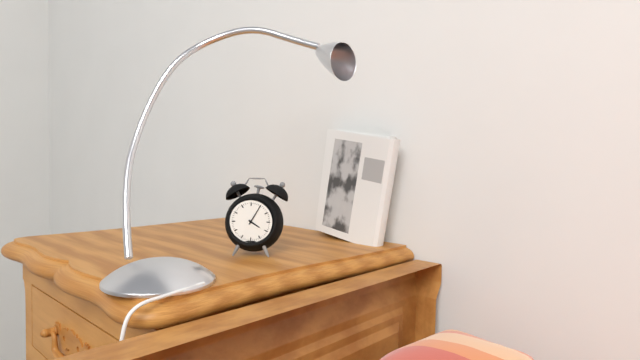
4:05
